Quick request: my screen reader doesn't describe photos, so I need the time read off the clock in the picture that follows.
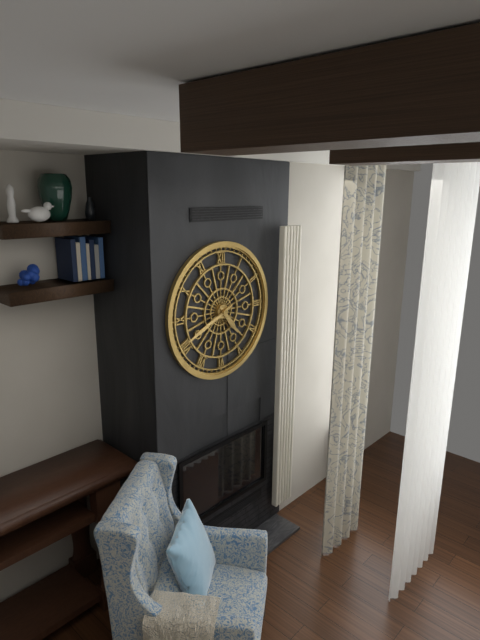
4:41
